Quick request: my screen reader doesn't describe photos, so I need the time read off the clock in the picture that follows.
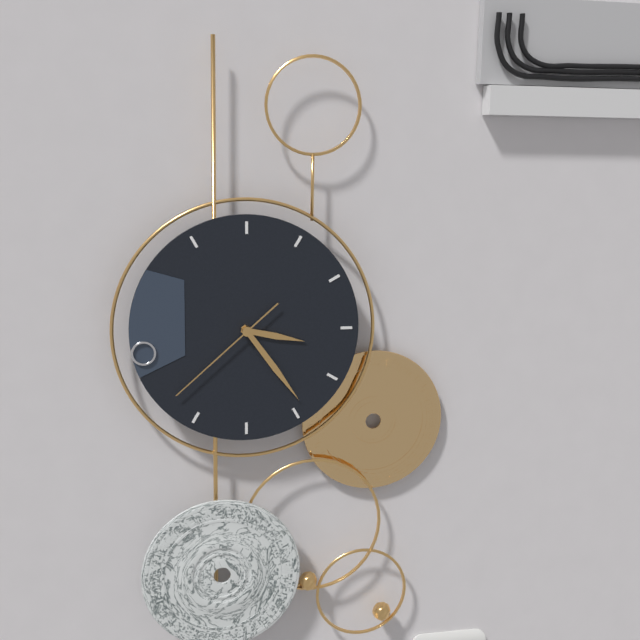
3:24:38
